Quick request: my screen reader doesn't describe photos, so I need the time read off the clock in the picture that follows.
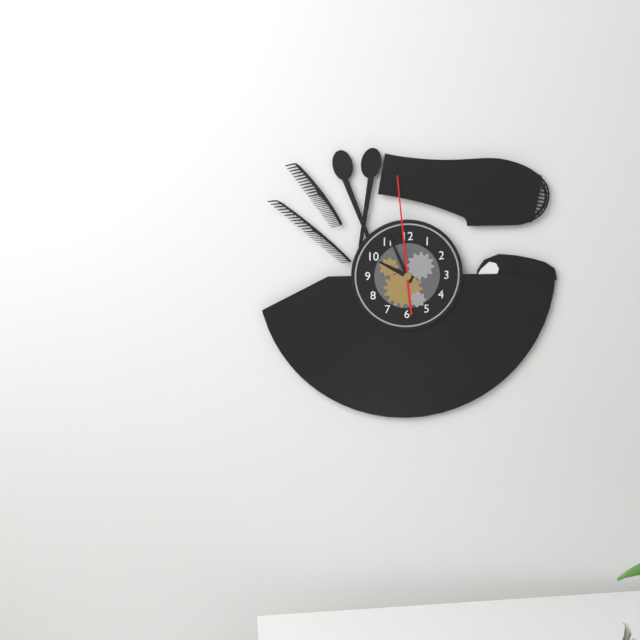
9:56:59
